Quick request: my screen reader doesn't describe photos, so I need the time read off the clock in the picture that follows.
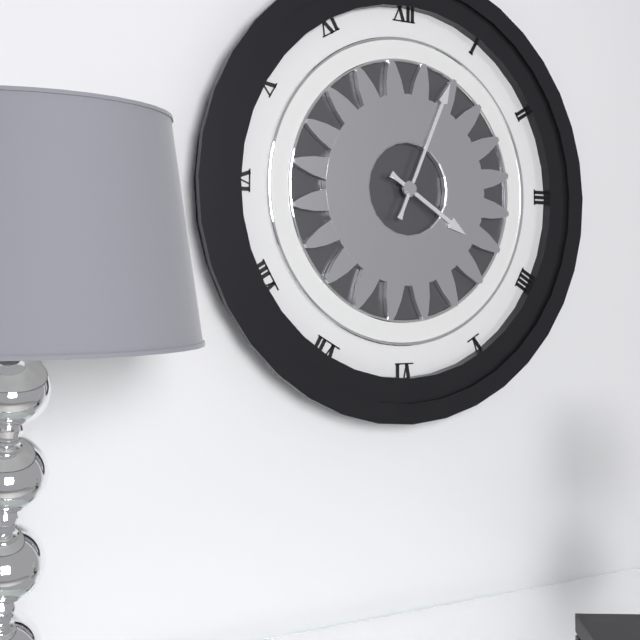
4:04
